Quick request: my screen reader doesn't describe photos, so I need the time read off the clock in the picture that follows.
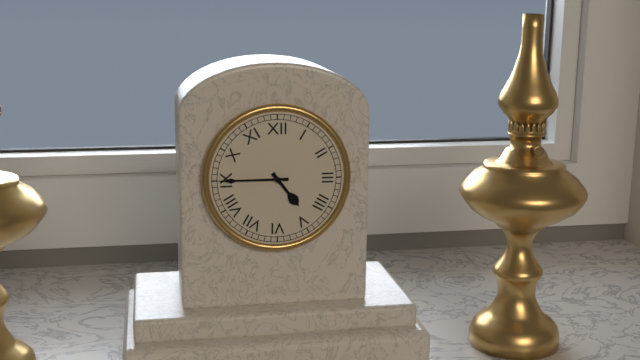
4:45
